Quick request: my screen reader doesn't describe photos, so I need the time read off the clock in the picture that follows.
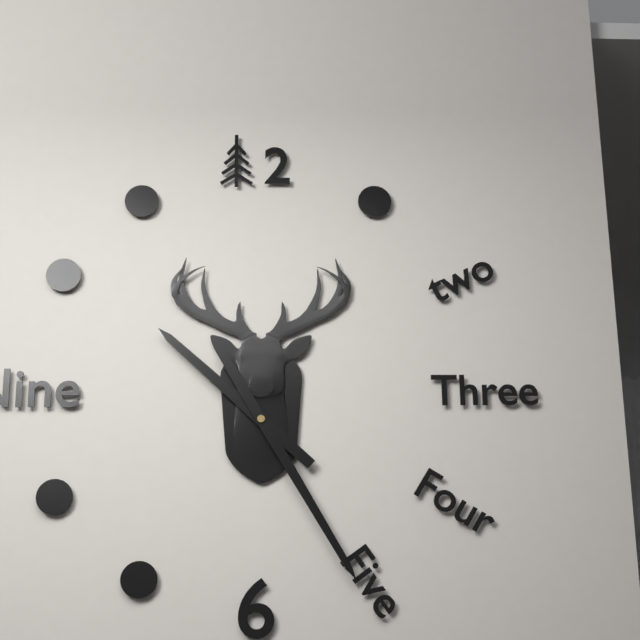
10:25
